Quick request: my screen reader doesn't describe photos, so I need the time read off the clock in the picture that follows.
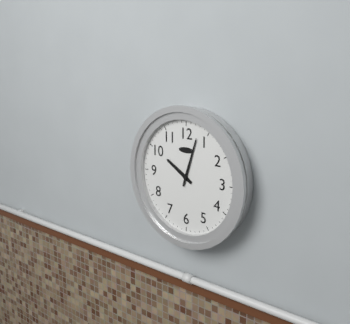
10:03
